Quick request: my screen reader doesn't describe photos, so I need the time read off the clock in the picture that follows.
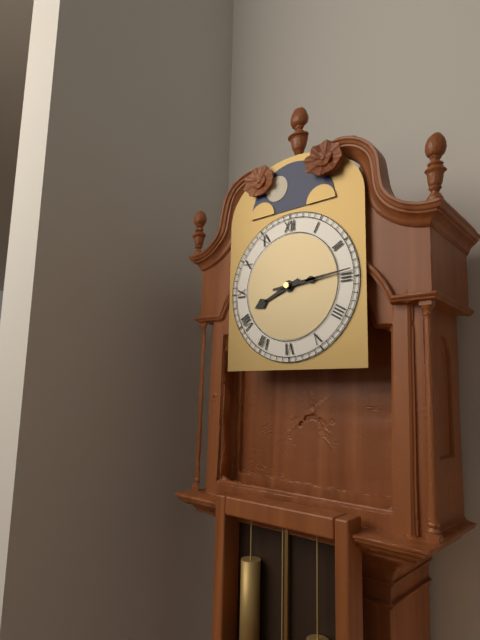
8:14
